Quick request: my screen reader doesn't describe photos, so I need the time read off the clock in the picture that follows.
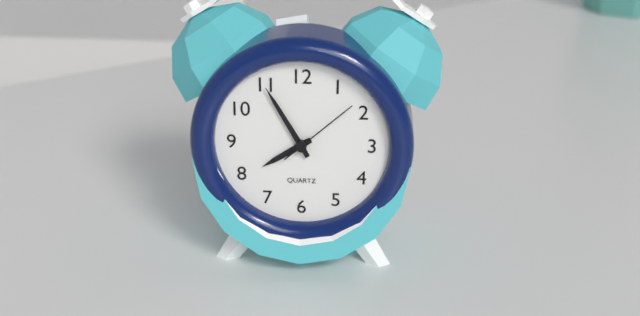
7:55:08
